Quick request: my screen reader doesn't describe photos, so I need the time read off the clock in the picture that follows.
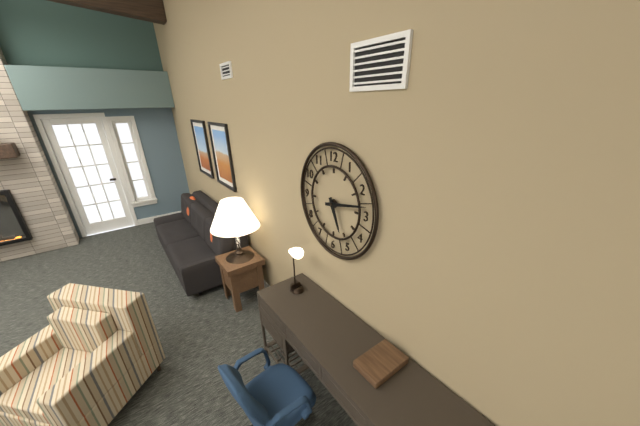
5:13
